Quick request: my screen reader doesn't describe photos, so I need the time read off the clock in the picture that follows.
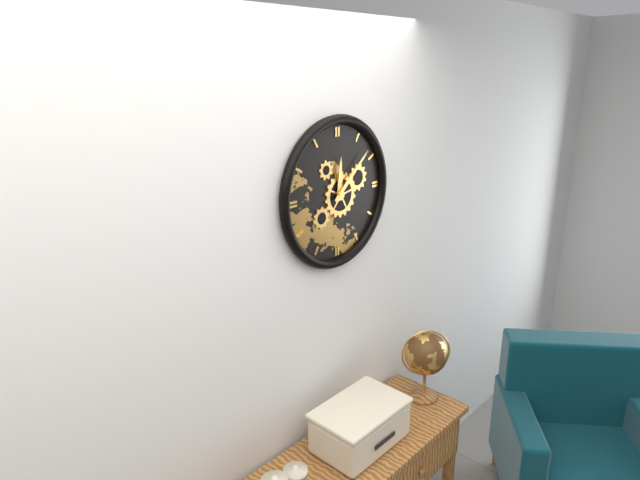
12:08
